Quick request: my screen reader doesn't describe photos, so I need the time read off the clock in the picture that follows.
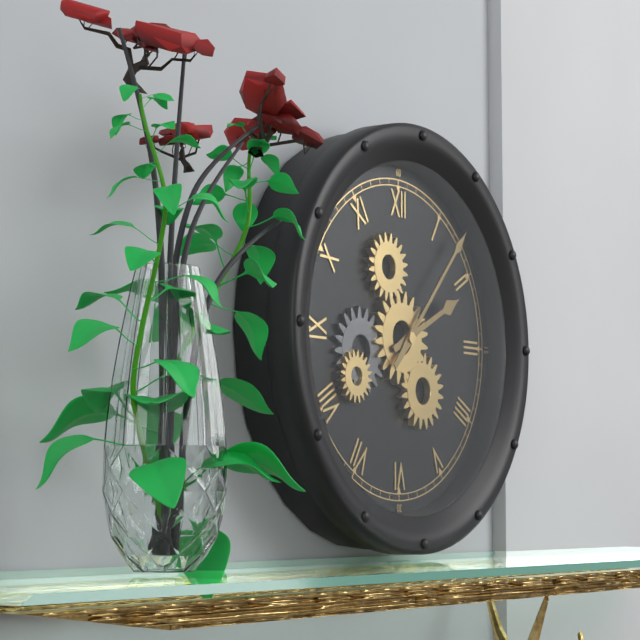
2:07
